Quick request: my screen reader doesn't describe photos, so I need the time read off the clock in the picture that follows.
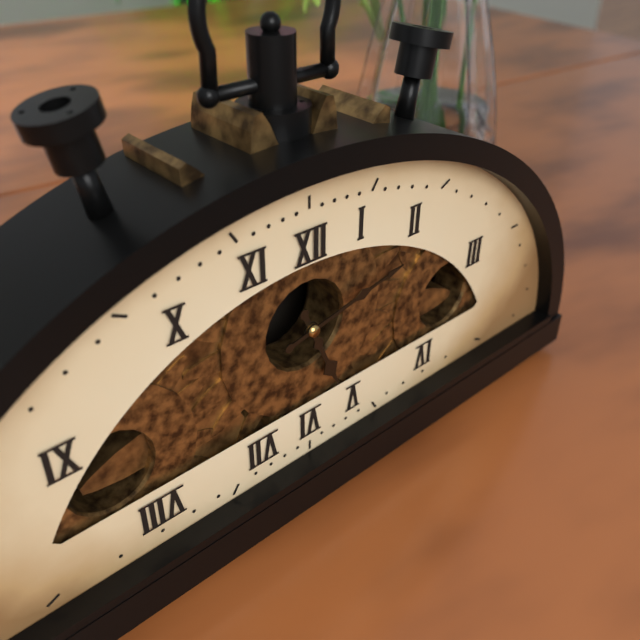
5:13
